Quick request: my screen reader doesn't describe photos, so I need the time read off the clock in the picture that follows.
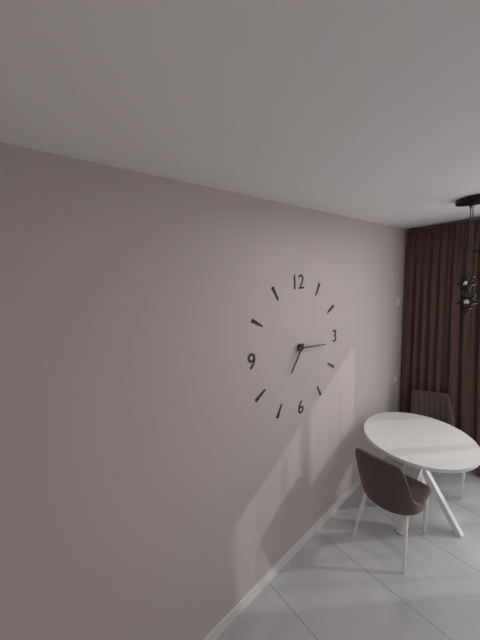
7:16
